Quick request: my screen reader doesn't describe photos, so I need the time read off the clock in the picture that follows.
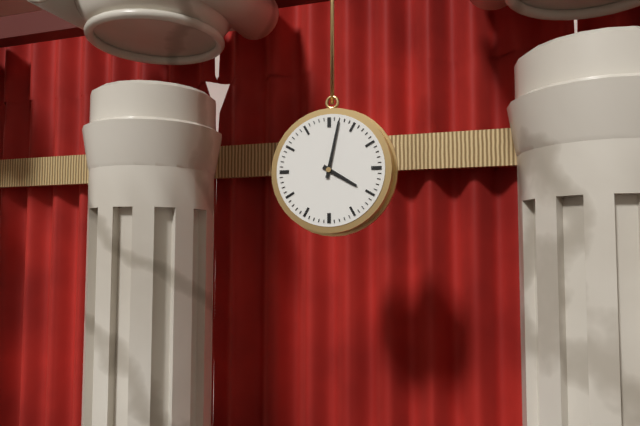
4:02
